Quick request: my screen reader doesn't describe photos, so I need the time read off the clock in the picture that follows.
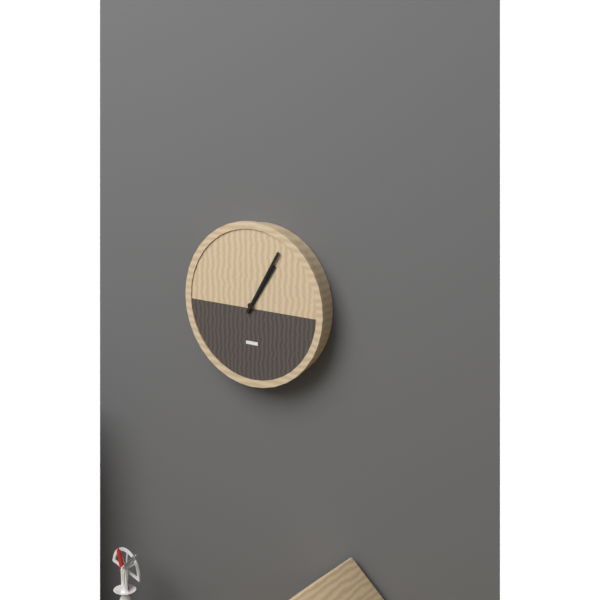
1:05
